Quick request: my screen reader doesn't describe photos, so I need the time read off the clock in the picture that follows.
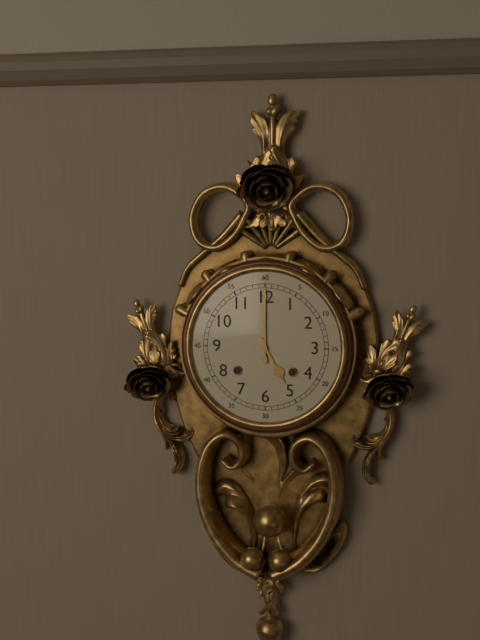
5:00
